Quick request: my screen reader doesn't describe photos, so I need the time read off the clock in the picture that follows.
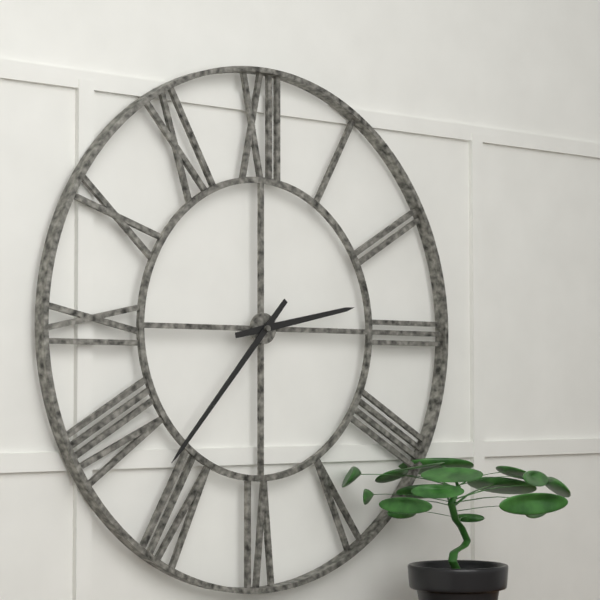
2:37
